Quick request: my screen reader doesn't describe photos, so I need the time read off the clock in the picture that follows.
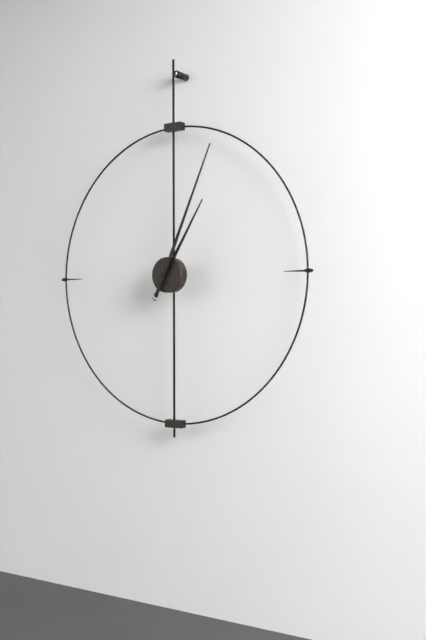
1:04
